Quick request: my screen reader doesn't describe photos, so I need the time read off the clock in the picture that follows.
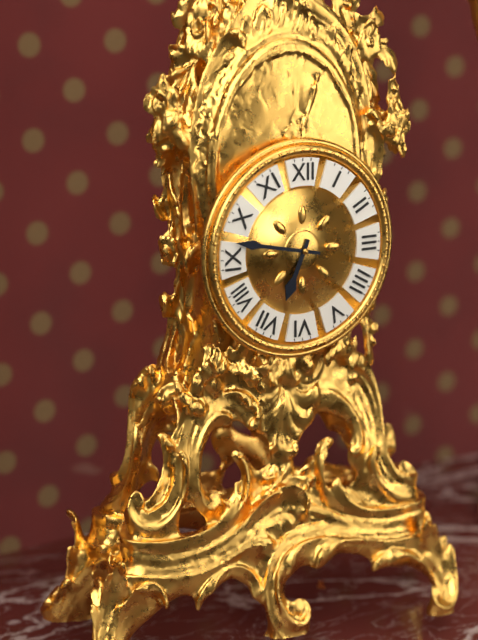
6:47
